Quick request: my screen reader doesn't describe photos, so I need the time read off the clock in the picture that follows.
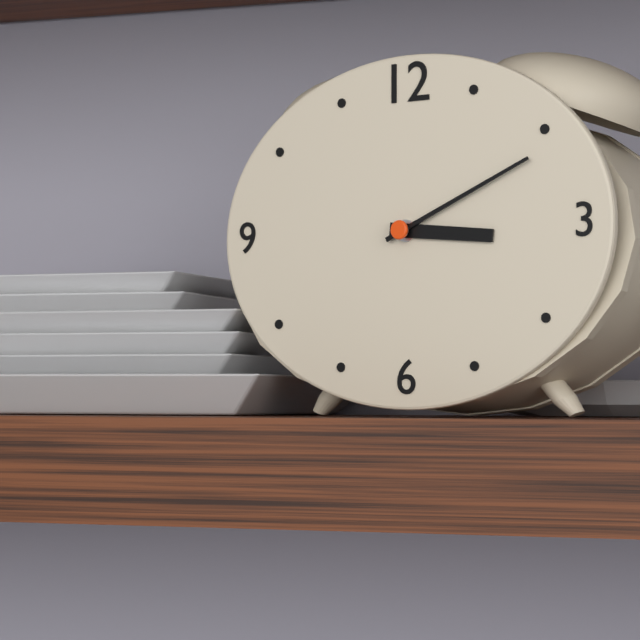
3:11
